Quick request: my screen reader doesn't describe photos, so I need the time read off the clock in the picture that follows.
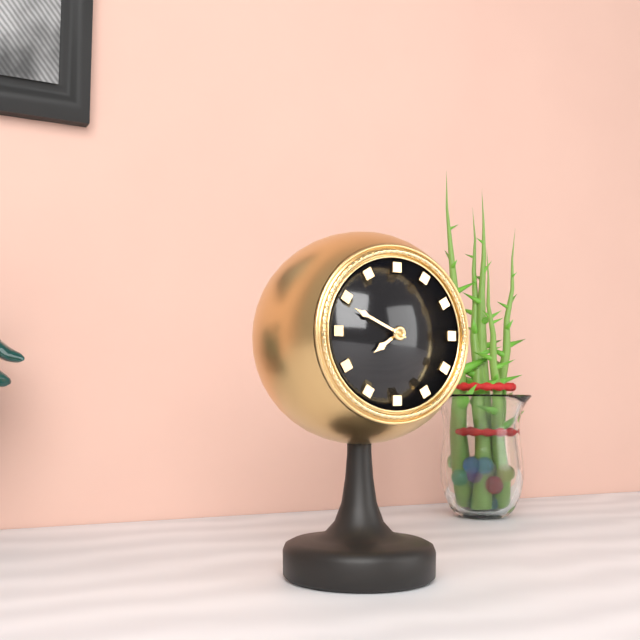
7:49
